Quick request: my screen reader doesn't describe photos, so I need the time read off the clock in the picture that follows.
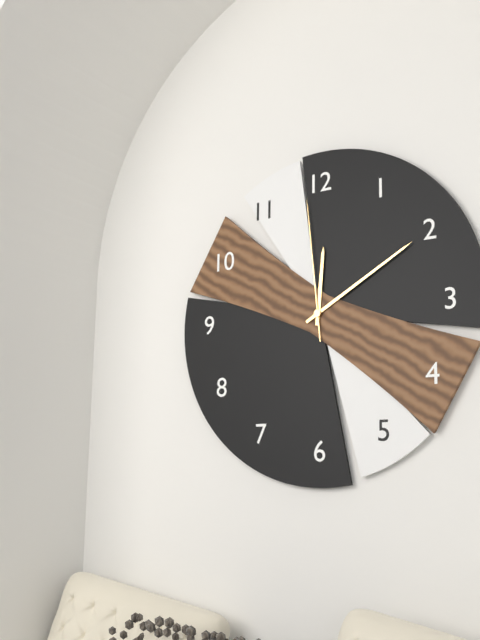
12:10:59
